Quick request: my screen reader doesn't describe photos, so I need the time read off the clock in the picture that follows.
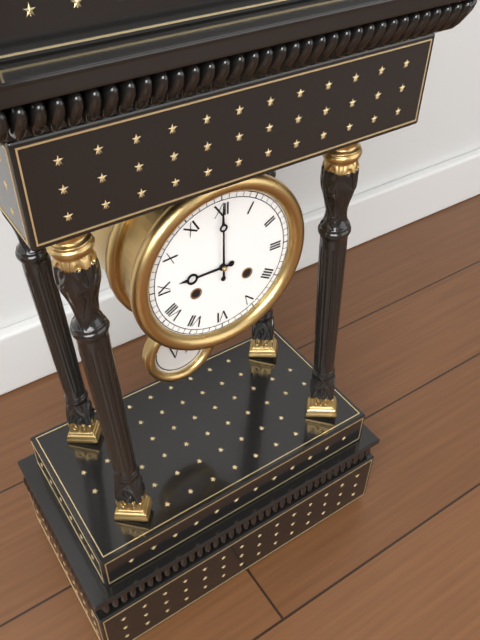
9:00
